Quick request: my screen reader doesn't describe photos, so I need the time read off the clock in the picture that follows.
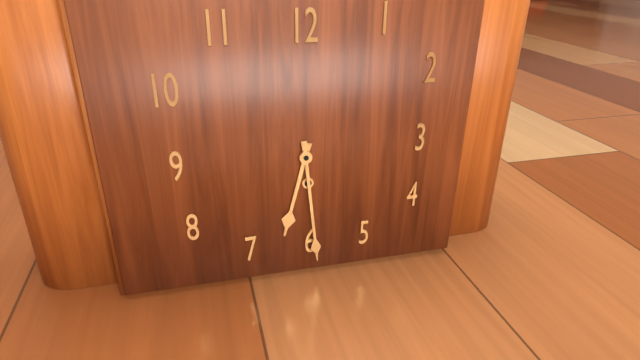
6:29
